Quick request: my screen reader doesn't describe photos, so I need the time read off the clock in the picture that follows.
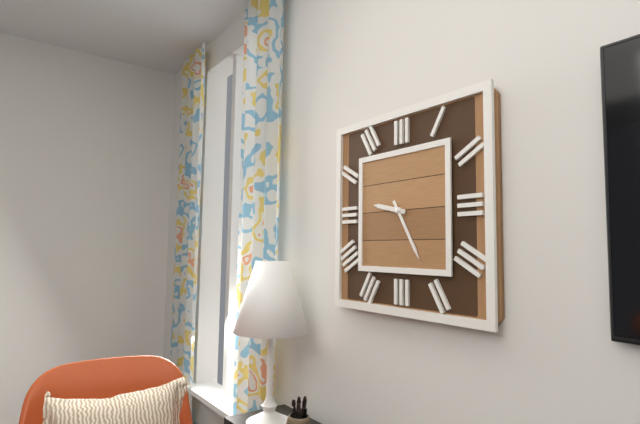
9:25
